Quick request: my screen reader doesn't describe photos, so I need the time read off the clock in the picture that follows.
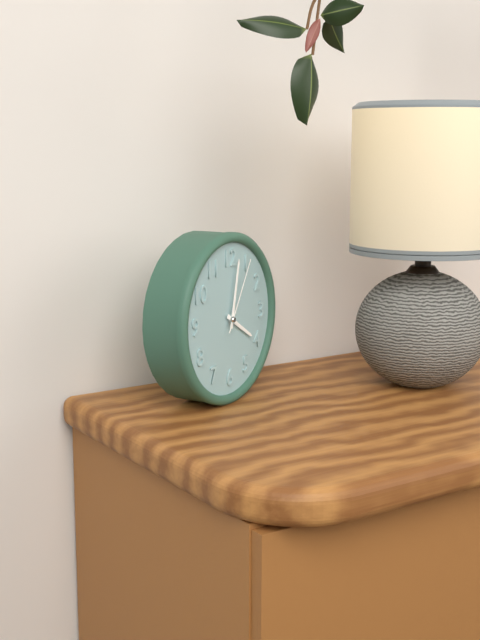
4:02:05
